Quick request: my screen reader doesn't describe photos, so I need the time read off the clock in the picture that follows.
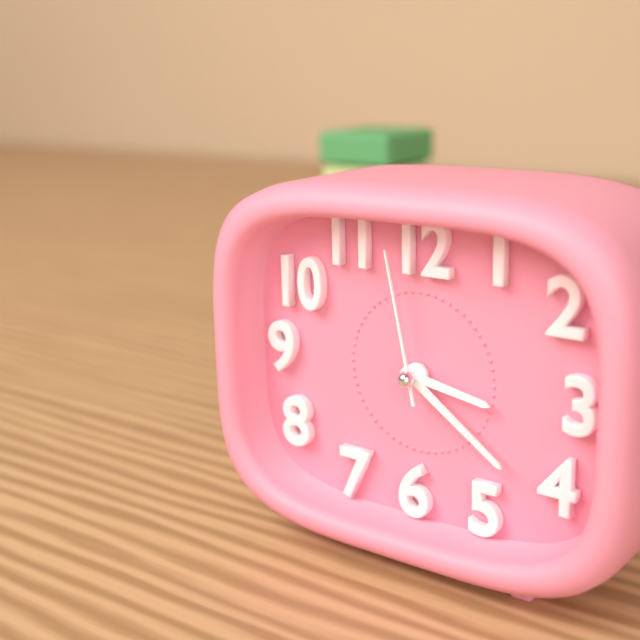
3:21:58
